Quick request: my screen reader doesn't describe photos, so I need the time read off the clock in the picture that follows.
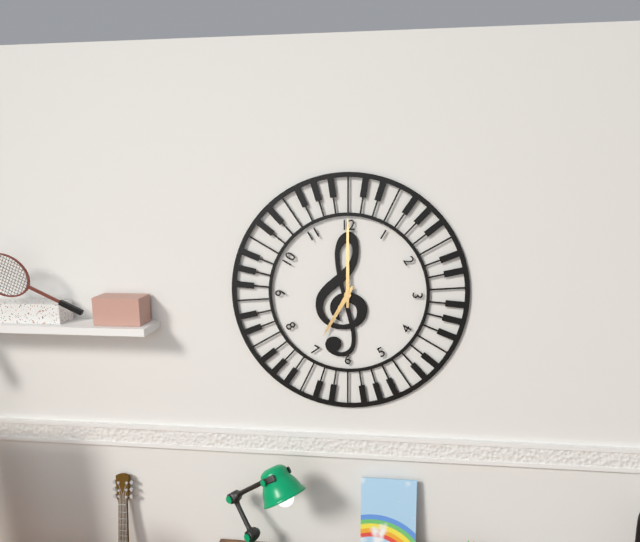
7:00
